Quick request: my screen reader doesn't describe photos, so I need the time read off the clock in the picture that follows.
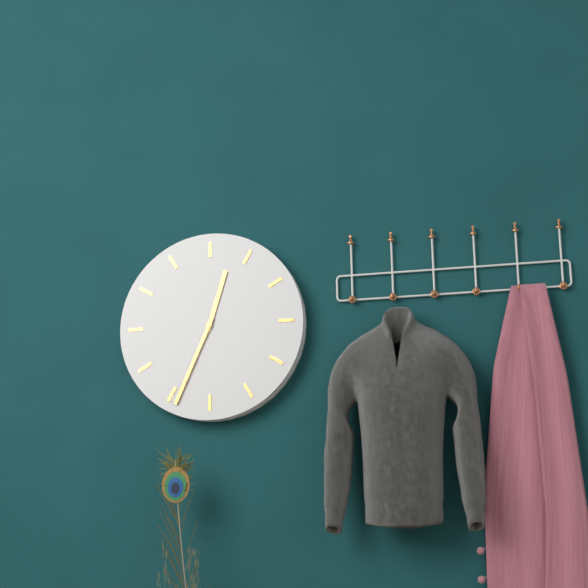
12:34
